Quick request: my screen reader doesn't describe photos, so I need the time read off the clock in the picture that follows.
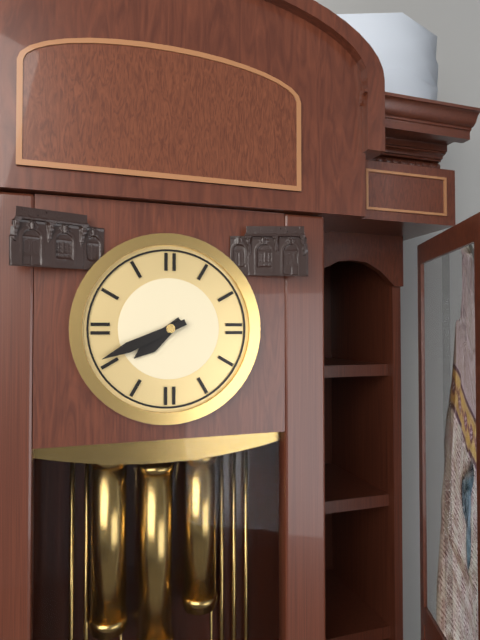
7:41
